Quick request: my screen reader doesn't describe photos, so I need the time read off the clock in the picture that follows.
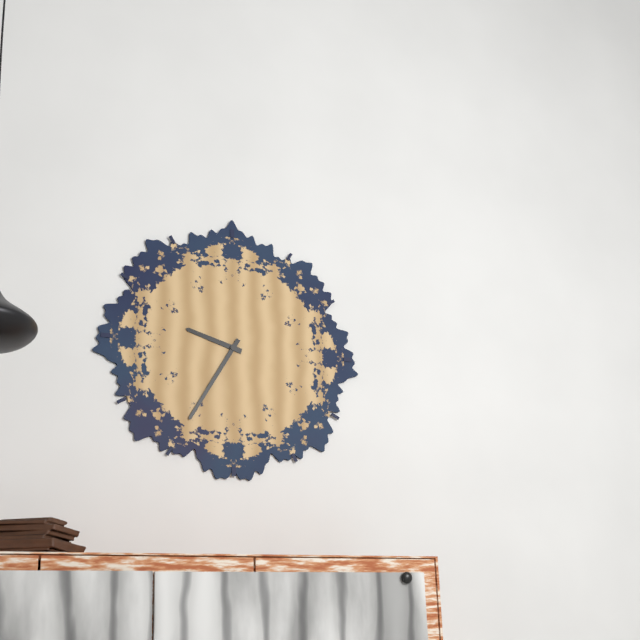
9:35
